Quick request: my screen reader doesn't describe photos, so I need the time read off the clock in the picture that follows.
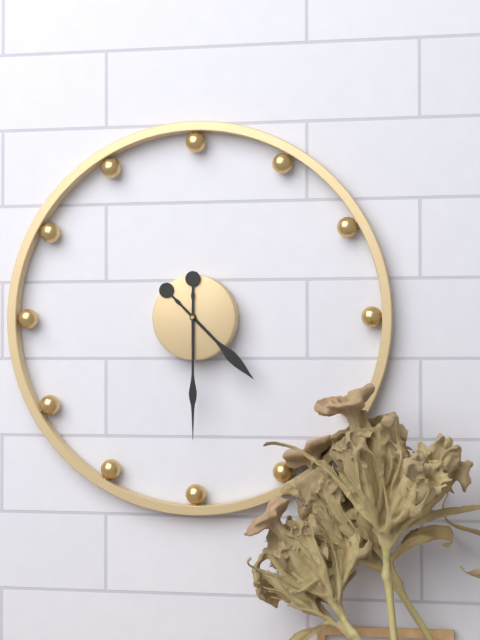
4:30
